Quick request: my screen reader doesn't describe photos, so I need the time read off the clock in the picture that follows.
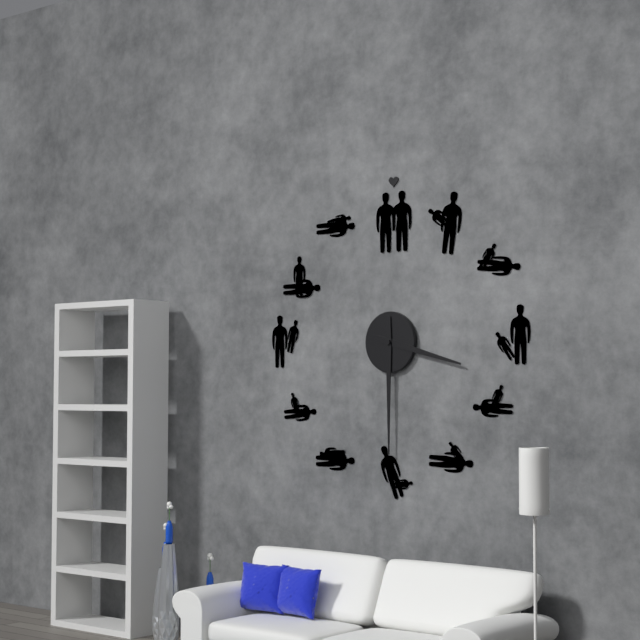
3:30
